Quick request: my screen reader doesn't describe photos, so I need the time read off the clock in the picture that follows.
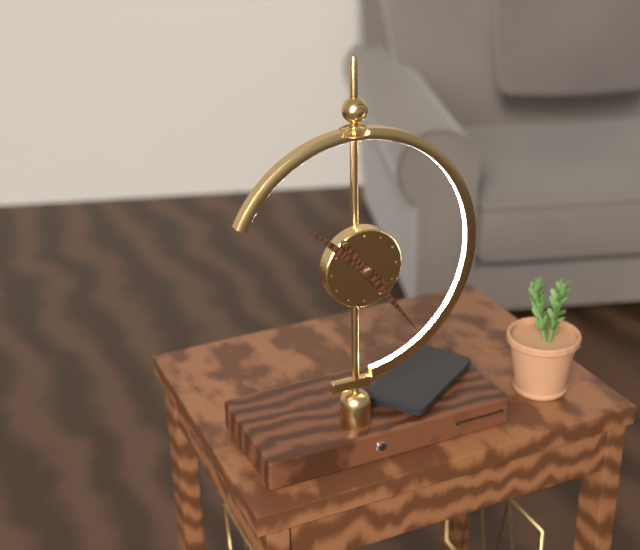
10:24
